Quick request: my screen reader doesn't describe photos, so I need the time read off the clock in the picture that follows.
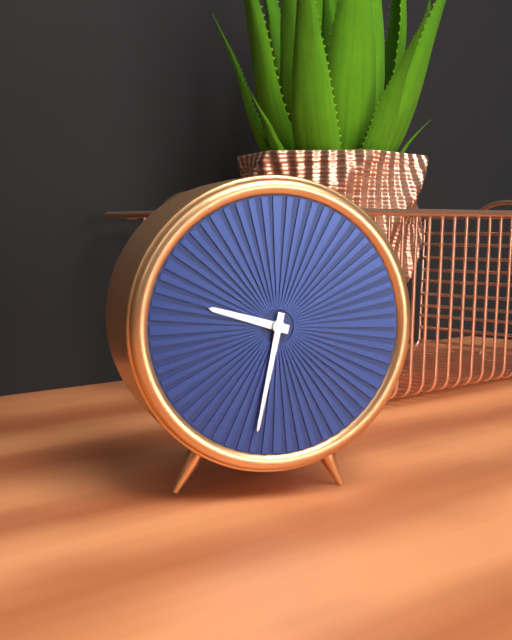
9:32
